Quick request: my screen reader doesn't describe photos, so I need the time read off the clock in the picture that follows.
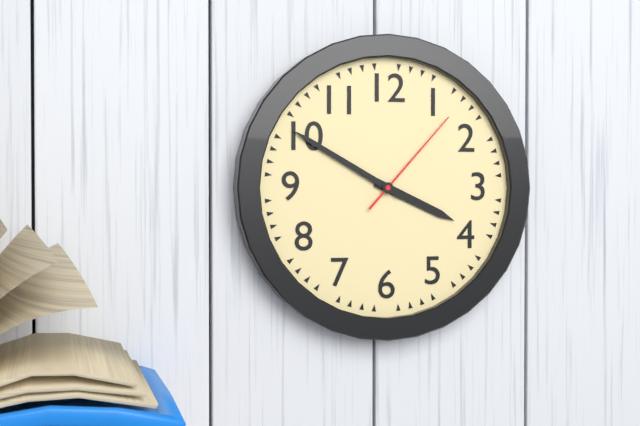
3:50:07
